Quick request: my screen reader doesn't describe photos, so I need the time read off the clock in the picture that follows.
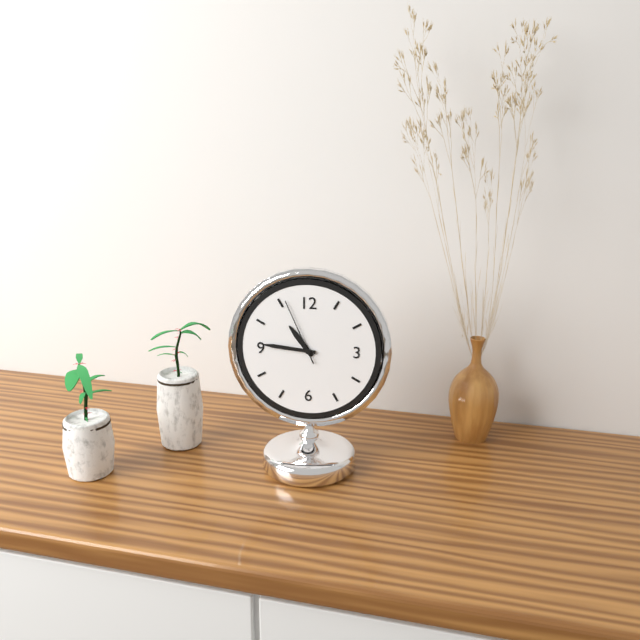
10:46:56
